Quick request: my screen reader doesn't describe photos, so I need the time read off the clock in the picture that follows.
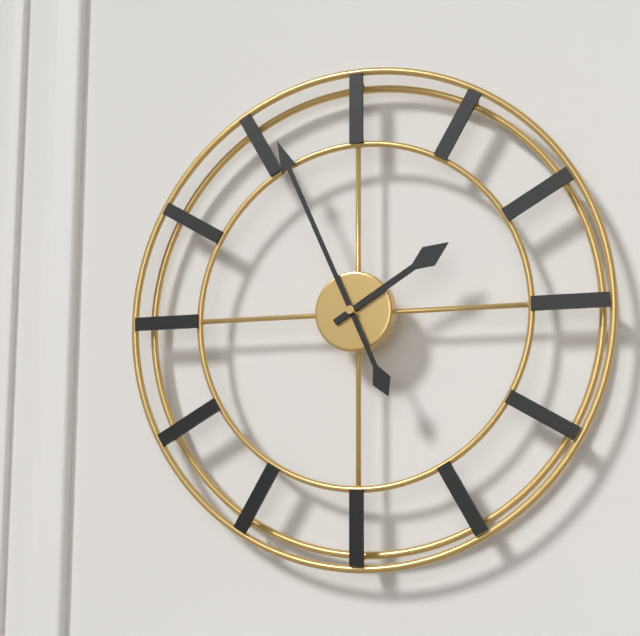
1:56
